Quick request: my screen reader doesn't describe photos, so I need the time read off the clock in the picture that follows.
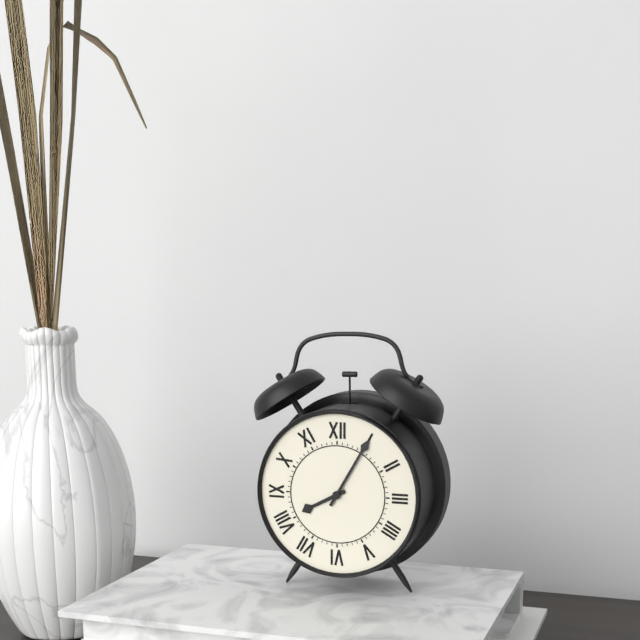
8:05
